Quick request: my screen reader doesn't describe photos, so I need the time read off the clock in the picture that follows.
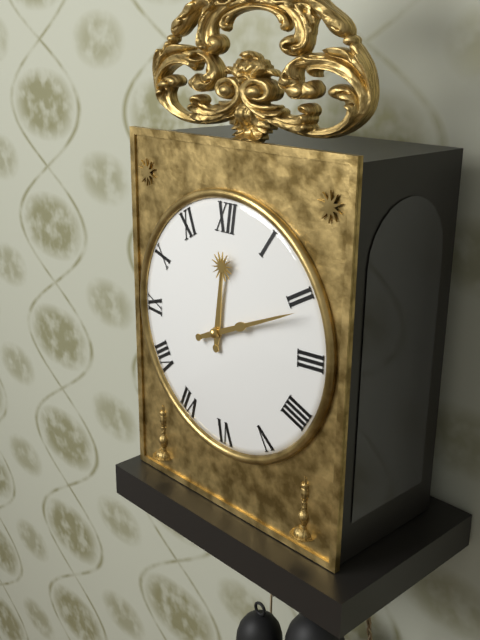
12:11
